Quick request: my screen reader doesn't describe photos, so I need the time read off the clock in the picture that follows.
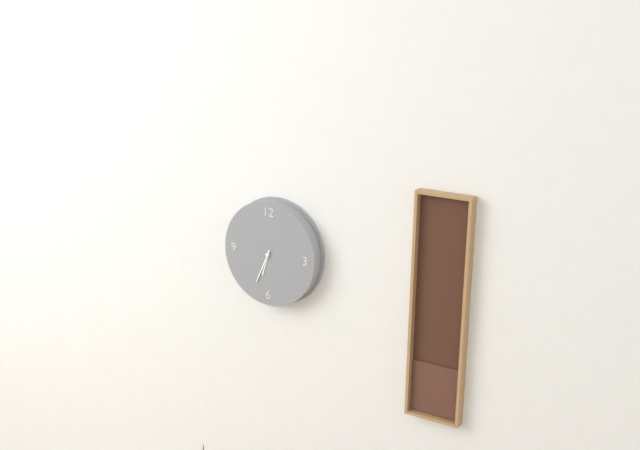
6:34
